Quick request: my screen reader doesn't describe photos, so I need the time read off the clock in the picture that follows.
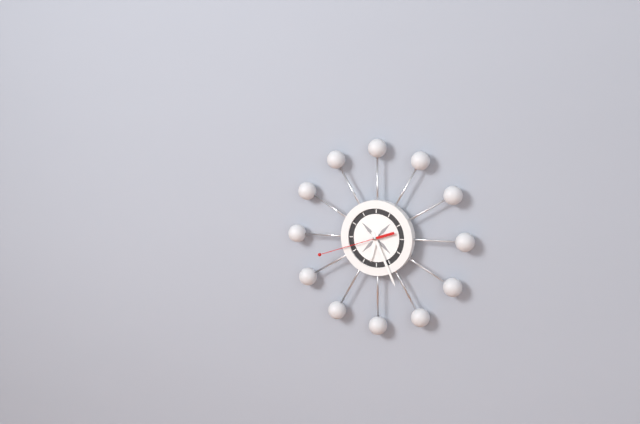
6:26:42
